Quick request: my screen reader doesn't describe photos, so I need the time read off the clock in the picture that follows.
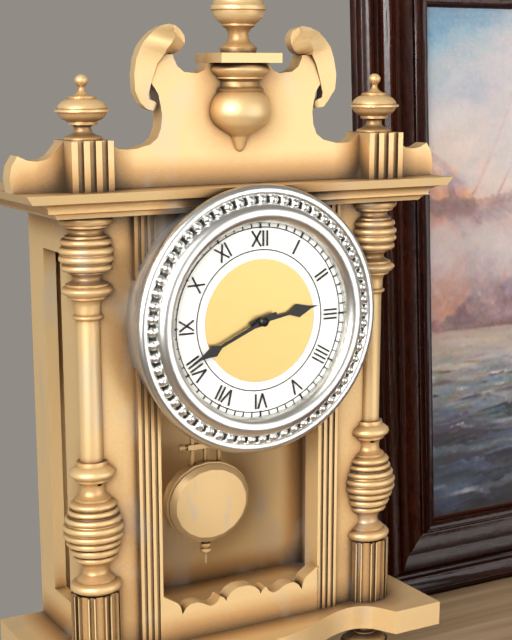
2:41
